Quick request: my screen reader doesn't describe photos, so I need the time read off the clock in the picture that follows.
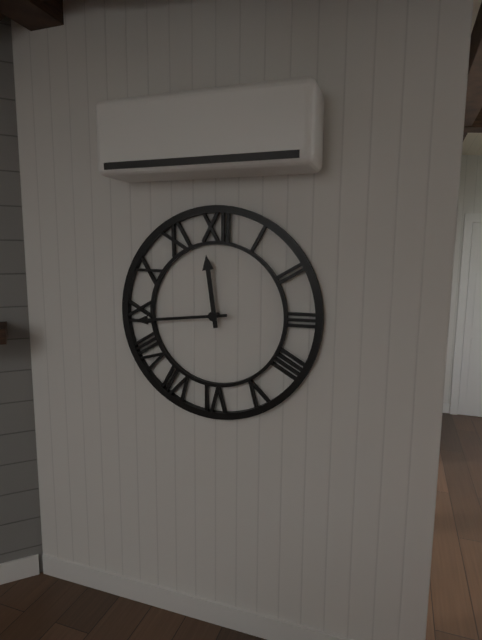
11:44
